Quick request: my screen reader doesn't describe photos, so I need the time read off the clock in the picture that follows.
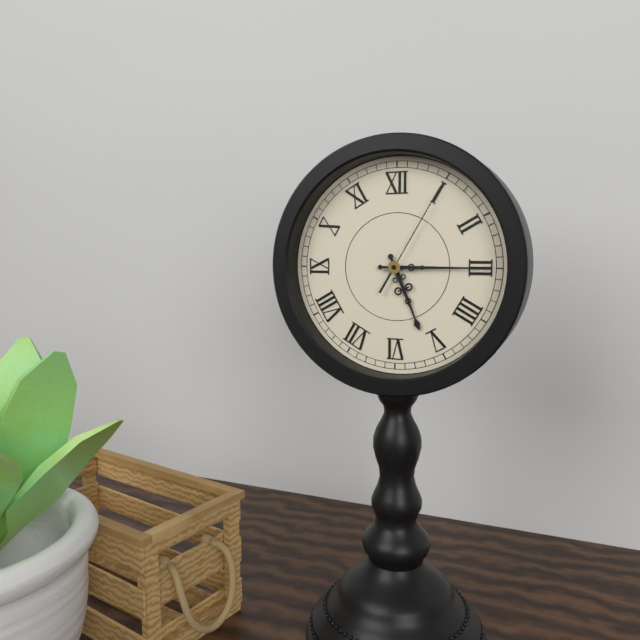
5:15:05
